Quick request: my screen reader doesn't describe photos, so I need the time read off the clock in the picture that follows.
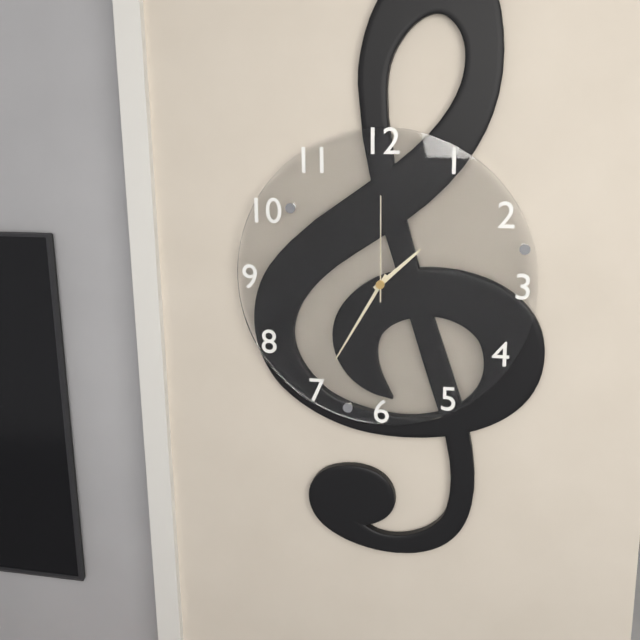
1:35:00
